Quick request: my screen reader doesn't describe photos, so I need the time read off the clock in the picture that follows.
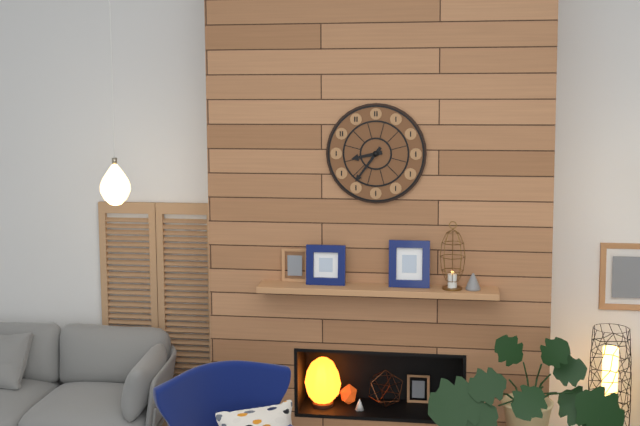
8:36
